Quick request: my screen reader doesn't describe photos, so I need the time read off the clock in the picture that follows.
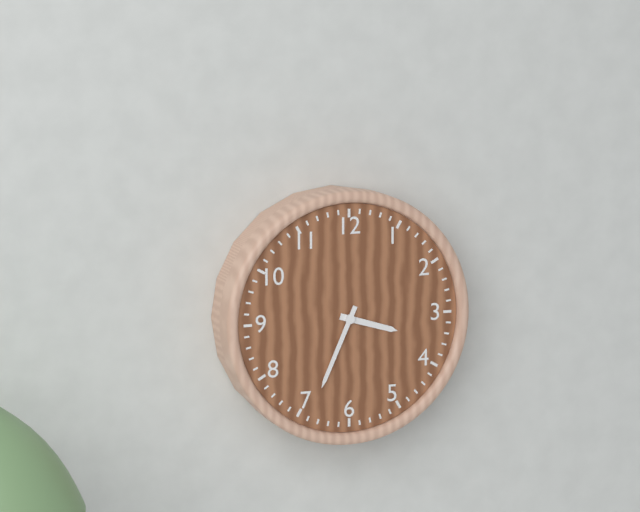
3:34
